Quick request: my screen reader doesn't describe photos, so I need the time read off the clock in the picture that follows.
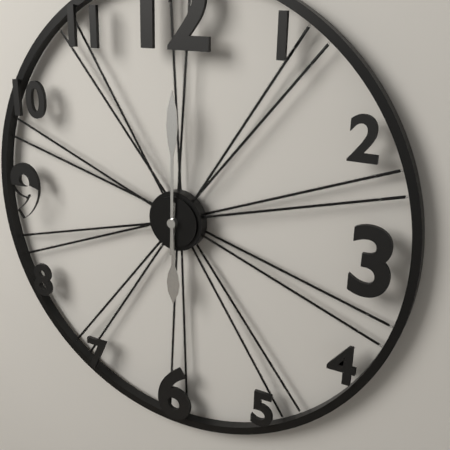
6:00
